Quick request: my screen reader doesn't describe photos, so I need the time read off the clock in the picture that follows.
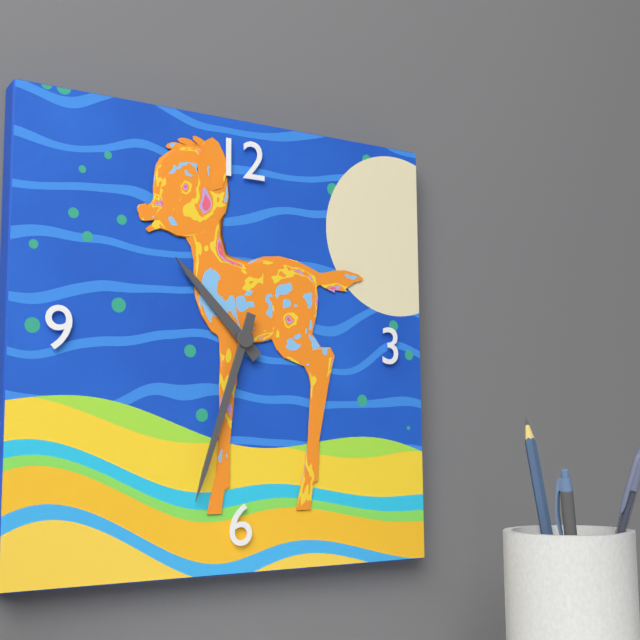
10:33
